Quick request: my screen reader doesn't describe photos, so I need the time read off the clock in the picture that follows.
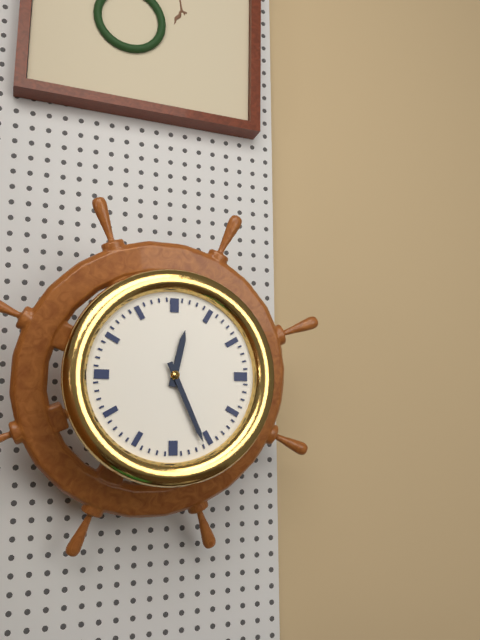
12:26
